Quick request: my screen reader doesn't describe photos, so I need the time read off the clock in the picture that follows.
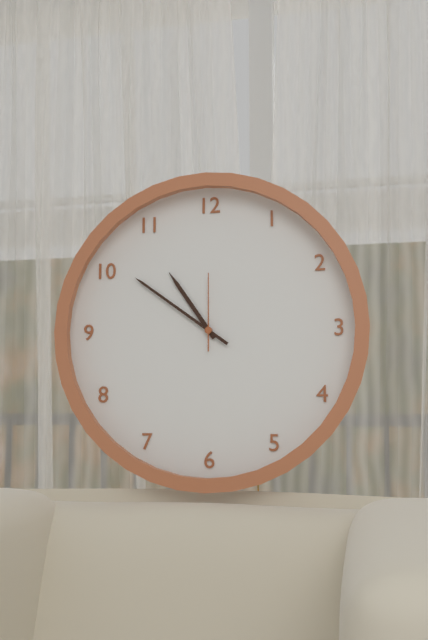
10:51:00
